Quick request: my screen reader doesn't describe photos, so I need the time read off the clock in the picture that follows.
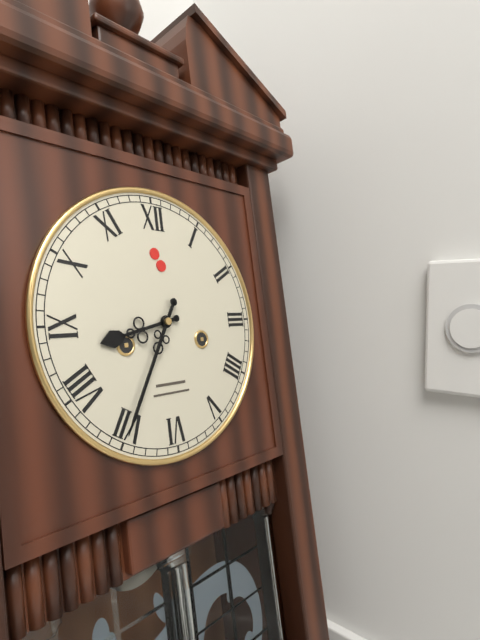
8:35
